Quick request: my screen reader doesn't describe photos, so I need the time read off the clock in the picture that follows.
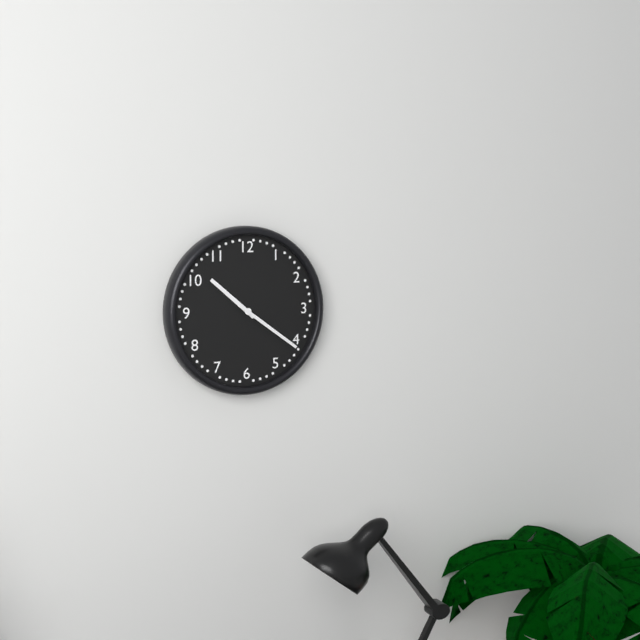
10:21
